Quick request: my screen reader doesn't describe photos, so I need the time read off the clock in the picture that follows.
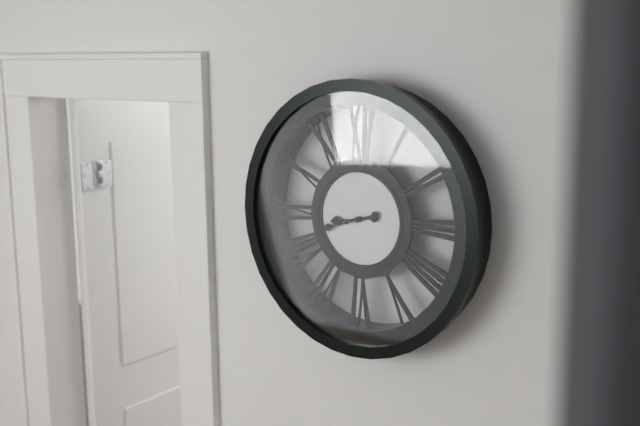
8:42
